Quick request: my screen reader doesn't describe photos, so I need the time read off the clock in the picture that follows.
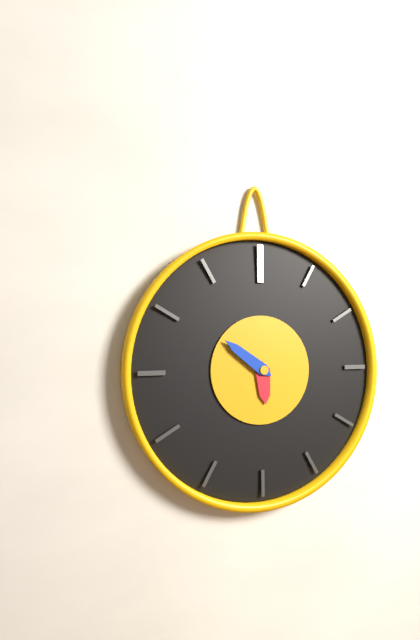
5:51
